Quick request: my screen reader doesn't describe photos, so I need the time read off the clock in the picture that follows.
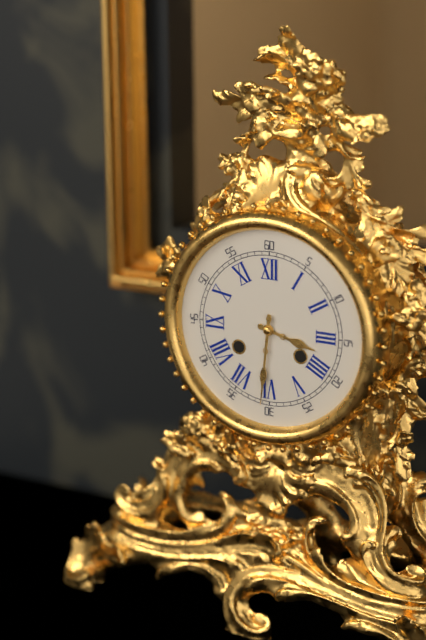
3:31
